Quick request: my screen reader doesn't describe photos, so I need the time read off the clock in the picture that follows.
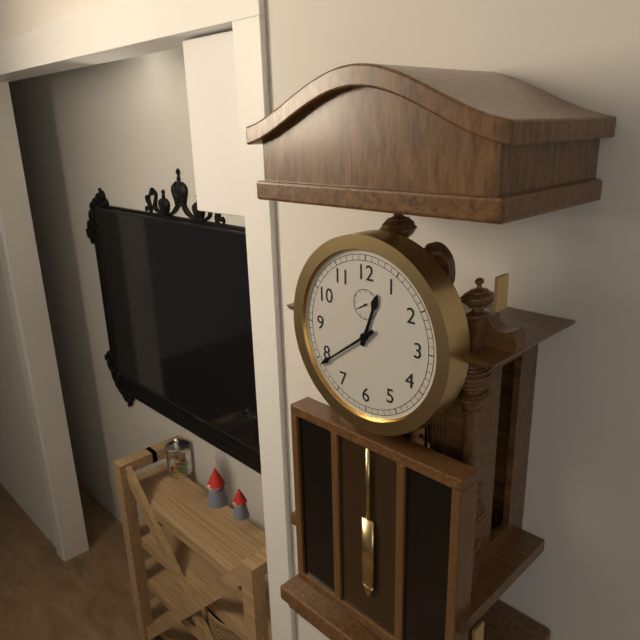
12:39
